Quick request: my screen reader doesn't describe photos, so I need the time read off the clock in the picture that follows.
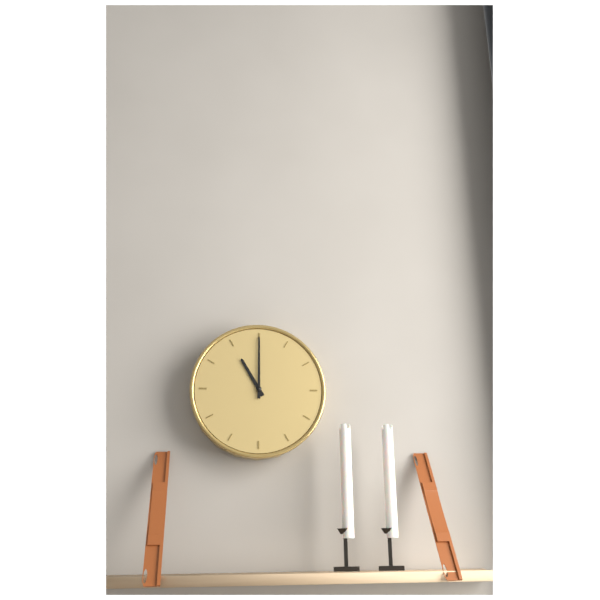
11:00
